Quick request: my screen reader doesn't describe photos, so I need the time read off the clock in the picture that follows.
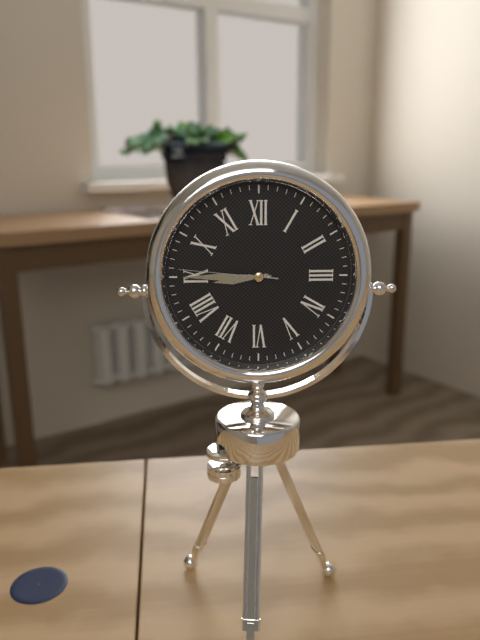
8:45:46
